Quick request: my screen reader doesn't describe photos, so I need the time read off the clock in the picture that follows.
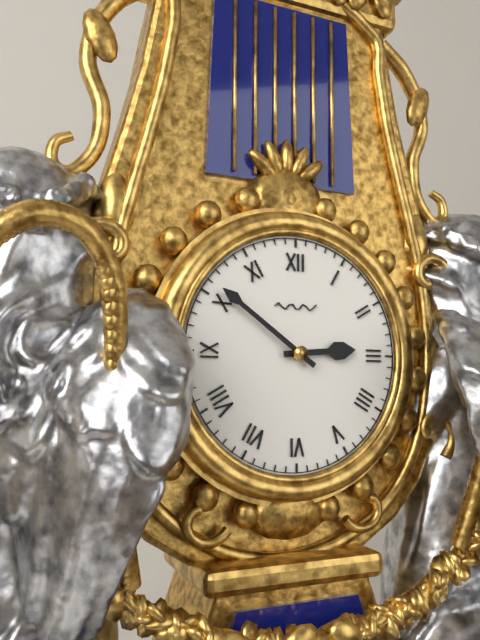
2:51
